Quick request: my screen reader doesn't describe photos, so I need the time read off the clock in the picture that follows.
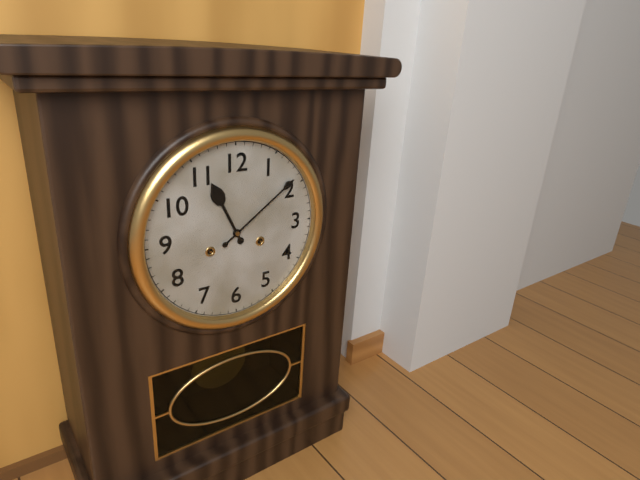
11:09
